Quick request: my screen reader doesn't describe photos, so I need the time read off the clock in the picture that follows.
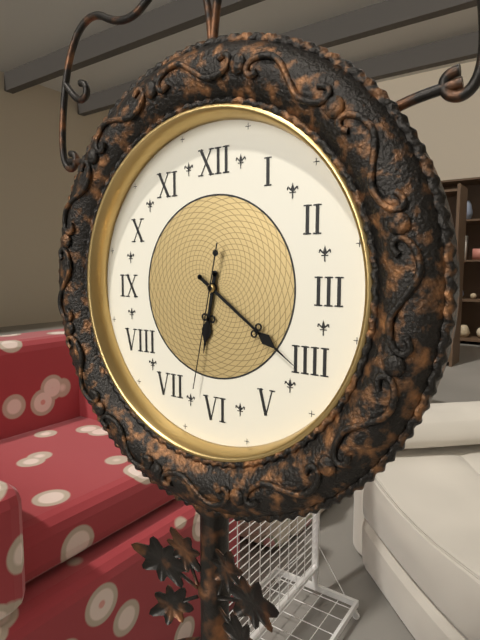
6:21:32
